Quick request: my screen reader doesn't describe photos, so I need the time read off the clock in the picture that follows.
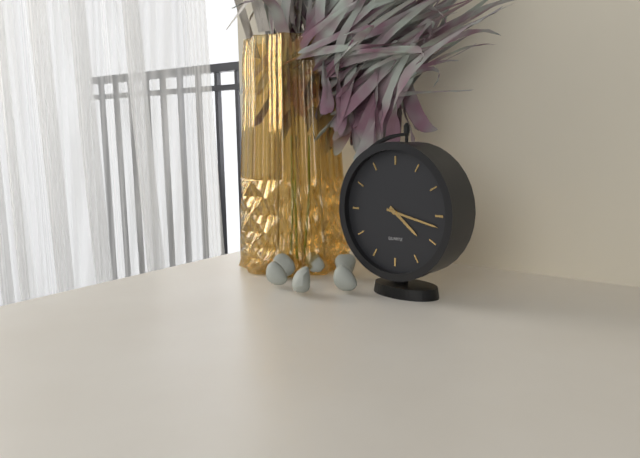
4:17
